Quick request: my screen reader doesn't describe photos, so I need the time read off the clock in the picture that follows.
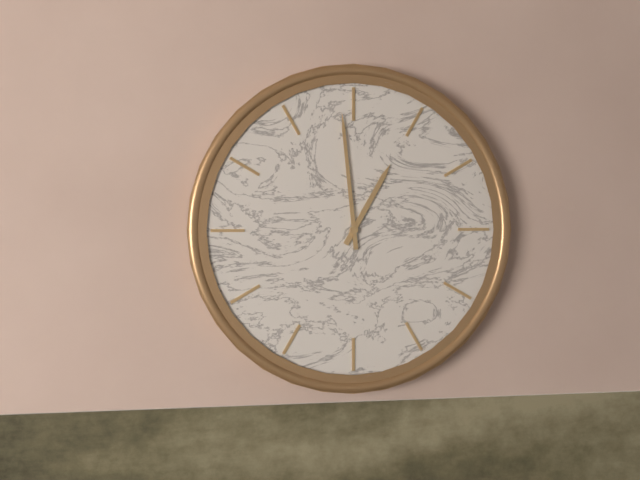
12:59
